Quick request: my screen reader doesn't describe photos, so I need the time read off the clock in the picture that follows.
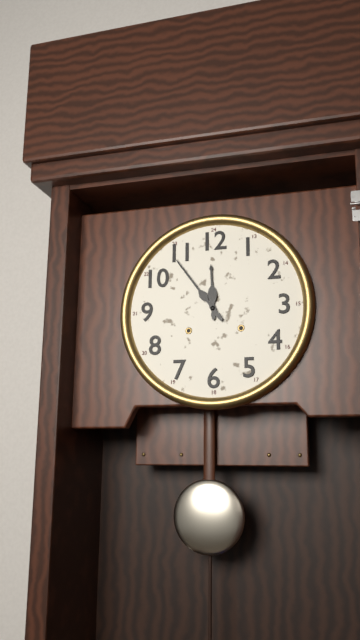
11:54
